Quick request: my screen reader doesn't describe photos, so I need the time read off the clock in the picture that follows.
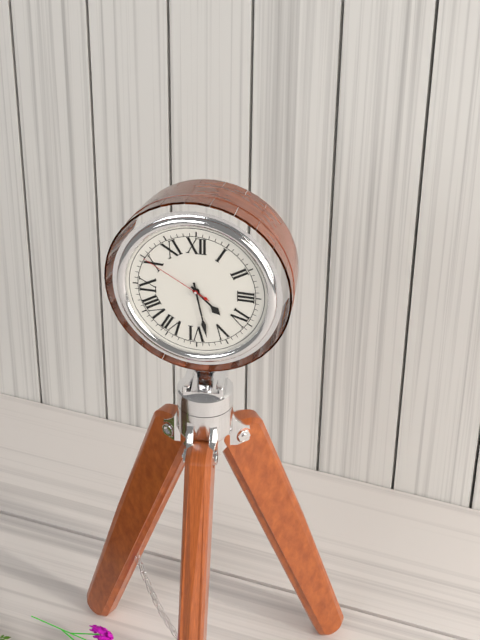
4:28:50
